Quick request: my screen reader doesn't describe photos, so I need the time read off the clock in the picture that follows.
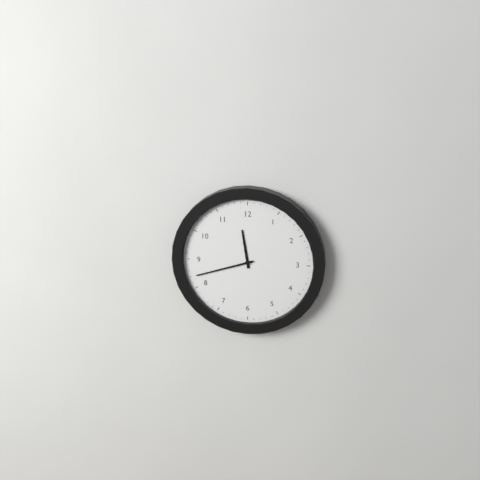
11:42
